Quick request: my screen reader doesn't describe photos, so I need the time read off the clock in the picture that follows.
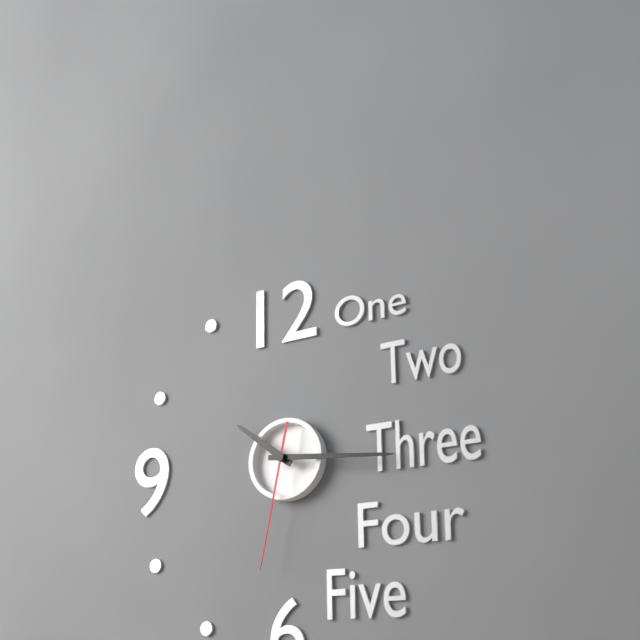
10:16:32
